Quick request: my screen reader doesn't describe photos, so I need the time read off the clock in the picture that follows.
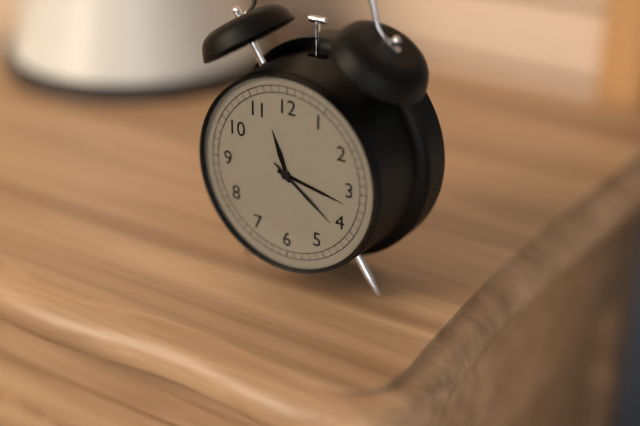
11:17:21
